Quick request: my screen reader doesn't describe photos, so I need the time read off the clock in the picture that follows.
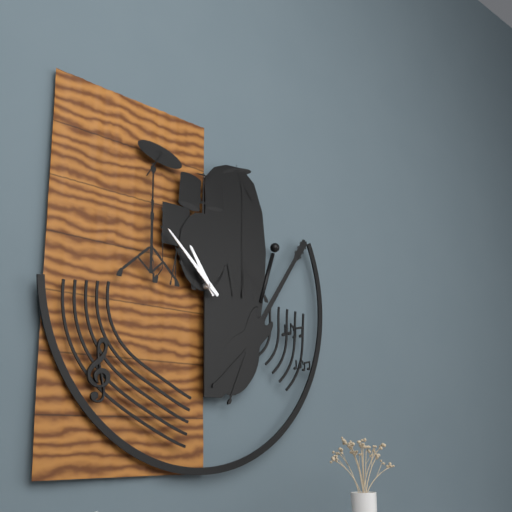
10:52
